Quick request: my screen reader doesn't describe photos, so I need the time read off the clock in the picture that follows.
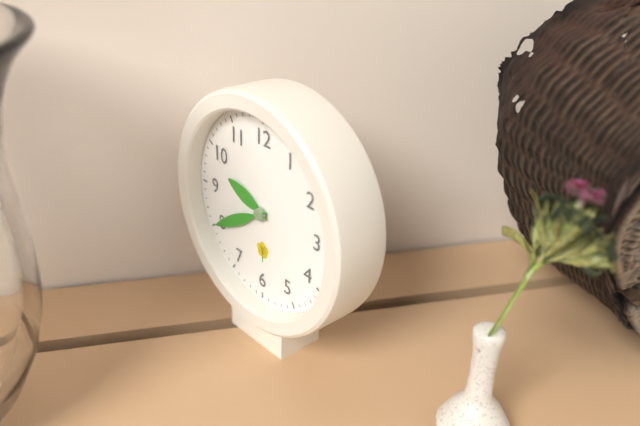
9:40
